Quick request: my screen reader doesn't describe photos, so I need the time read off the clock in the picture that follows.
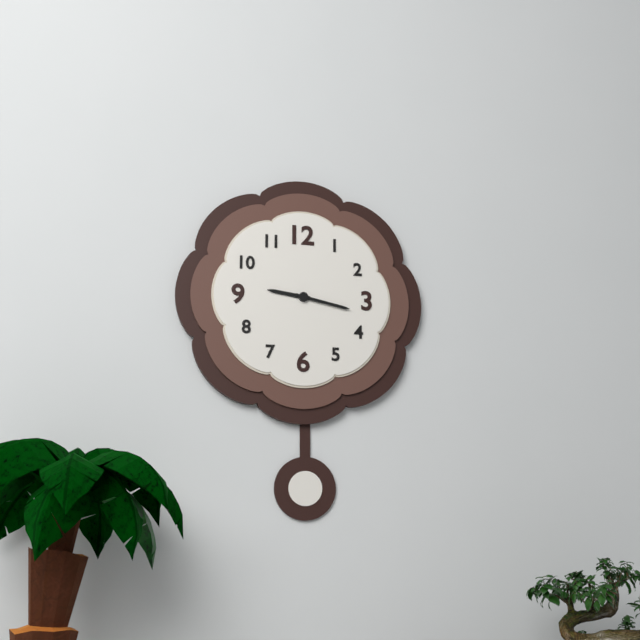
9:17
